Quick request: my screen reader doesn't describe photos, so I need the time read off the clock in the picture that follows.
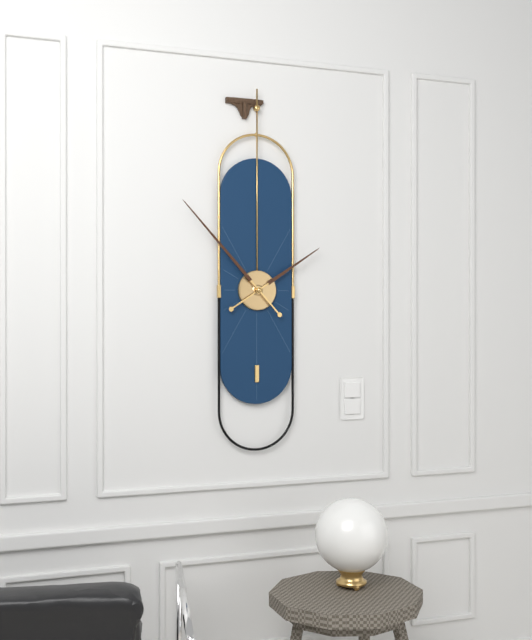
1:53
